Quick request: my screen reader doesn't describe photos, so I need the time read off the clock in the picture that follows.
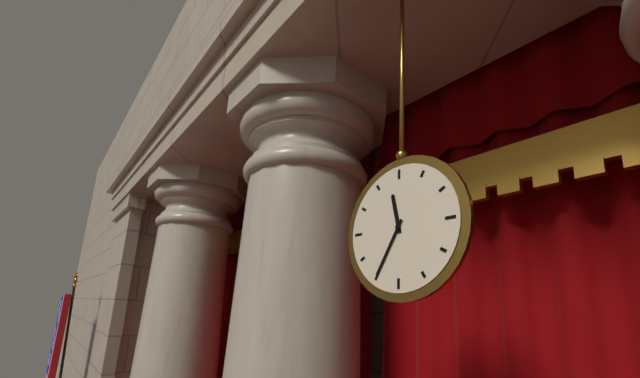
11:35
